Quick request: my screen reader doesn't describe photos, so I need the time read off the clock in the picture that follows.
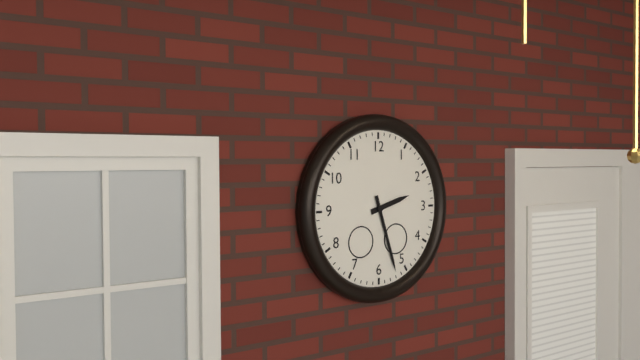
2:27
